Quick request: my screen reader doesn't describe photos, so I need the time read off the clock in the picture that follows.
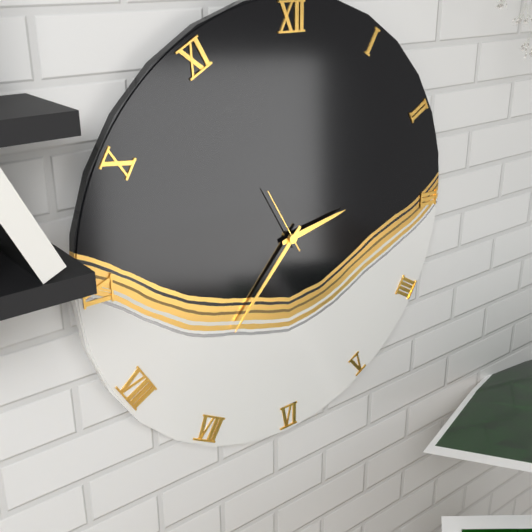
2:37:55
